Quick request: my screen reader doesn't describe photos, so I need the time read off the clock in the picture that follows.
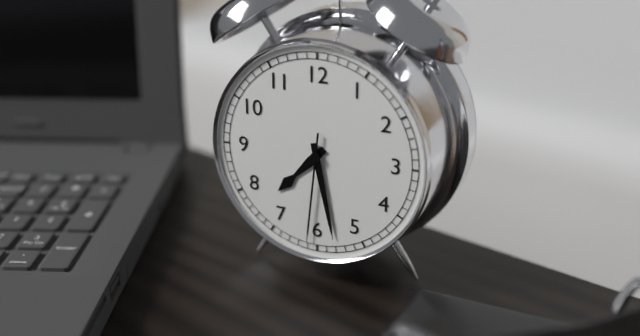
7:28:31
